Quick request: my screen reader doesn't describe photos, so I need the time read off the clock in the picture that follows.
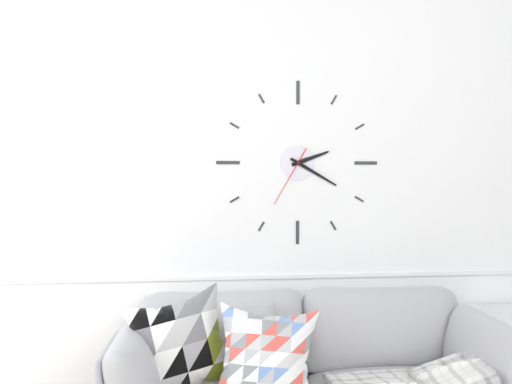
2:20:35
